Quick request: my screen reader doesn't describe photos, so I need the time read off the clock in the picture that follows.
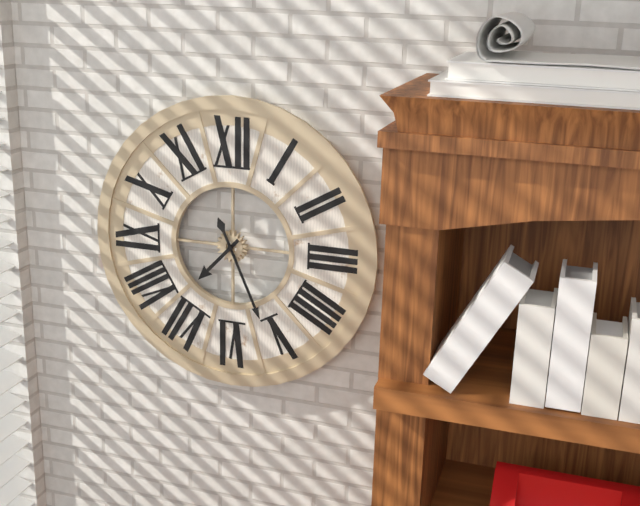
7:26
